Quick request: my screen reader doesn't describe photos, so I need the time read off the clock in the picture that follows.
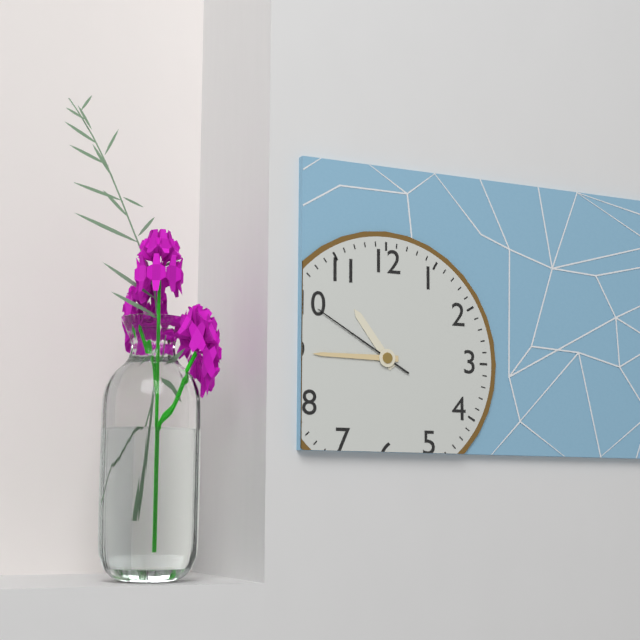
10:45:50
